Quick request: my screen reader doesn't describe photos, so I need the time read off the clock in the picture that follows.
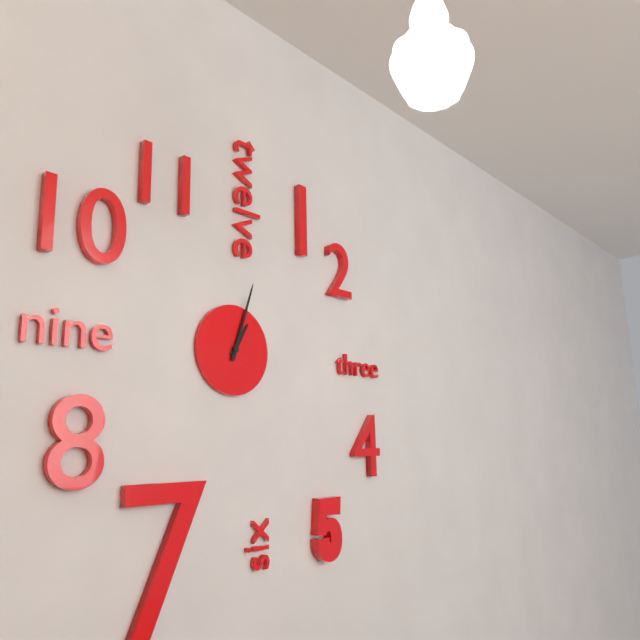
1:03
